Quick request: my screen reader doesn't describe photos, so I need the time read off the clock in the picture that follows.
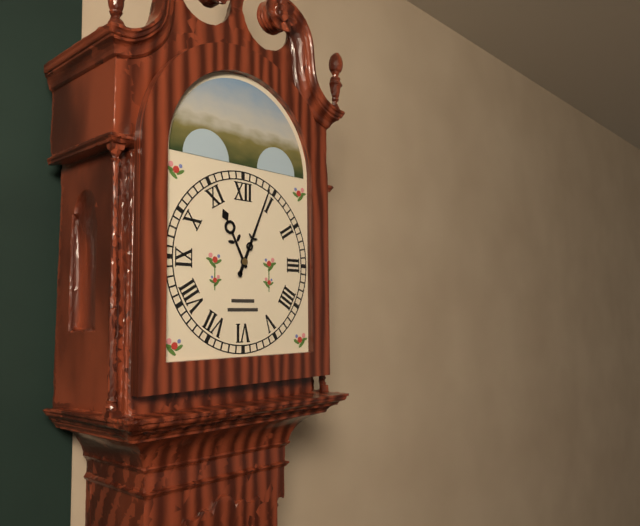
11:04
